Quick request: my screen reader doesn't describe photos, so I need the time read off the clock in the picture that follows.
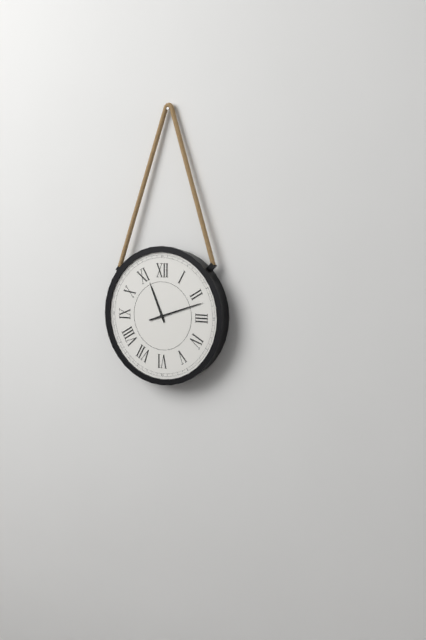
11:12
